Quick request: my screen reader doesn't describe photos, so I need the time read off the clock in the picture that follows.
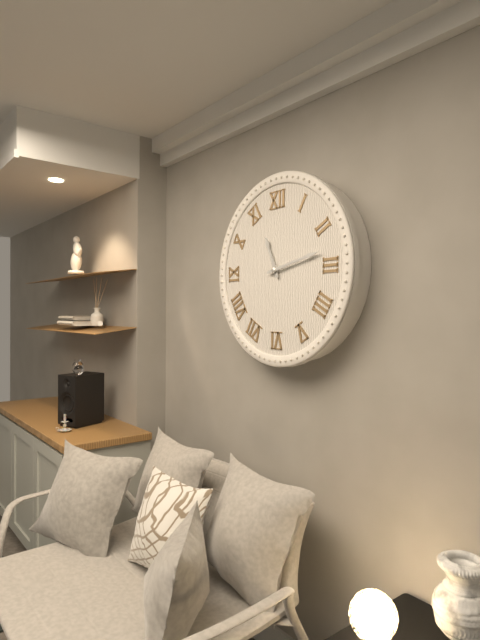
11:13
